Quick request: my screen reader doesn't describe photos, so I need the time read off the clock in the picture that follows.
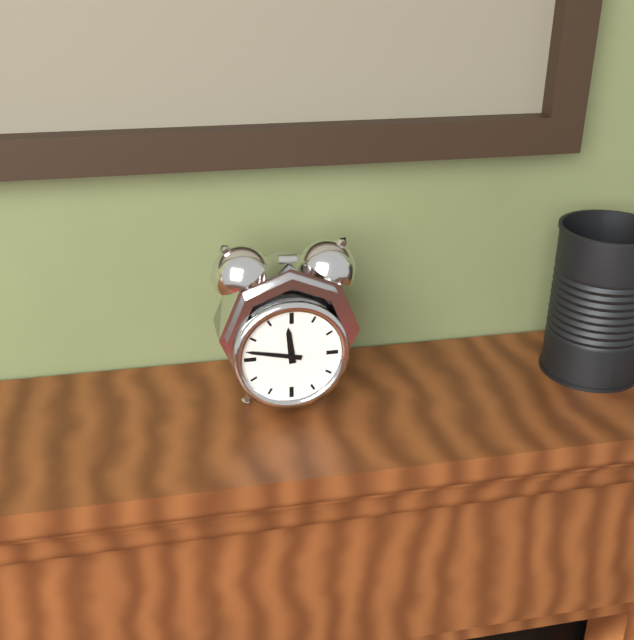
11:47
